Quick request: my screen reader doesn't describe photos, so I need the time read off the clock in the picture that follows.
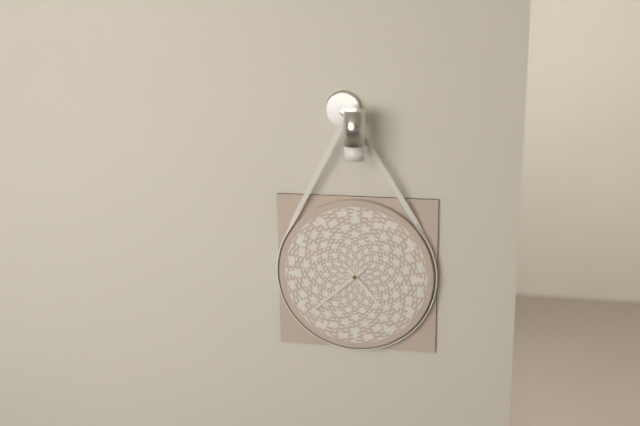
4:38
